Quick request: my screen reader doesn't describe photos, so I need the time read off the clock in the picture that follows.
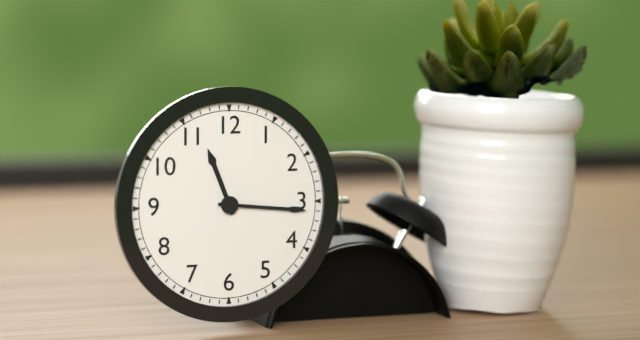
11:16
